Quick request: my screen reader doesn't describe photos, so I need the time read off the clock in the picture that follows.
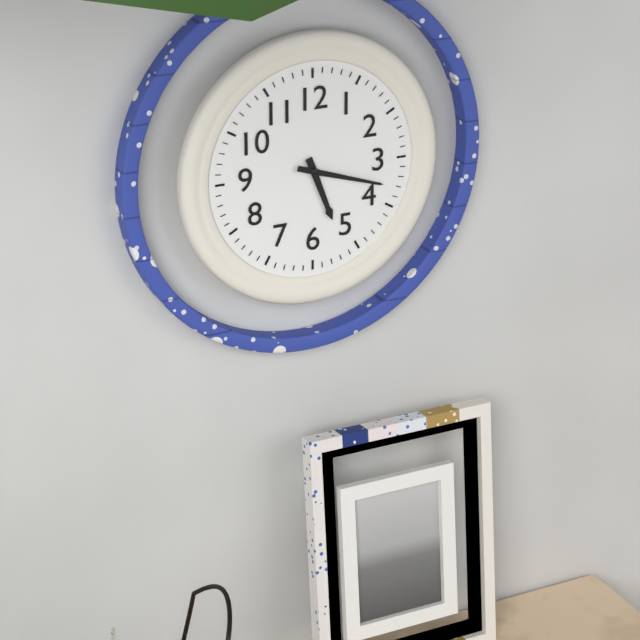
5:18
